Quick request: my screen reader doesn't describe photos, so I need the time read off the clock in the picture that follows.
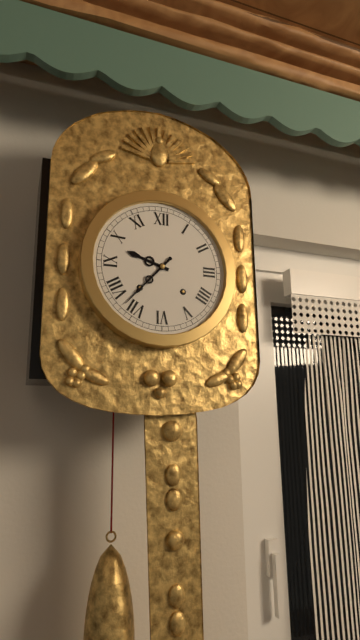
9:37
